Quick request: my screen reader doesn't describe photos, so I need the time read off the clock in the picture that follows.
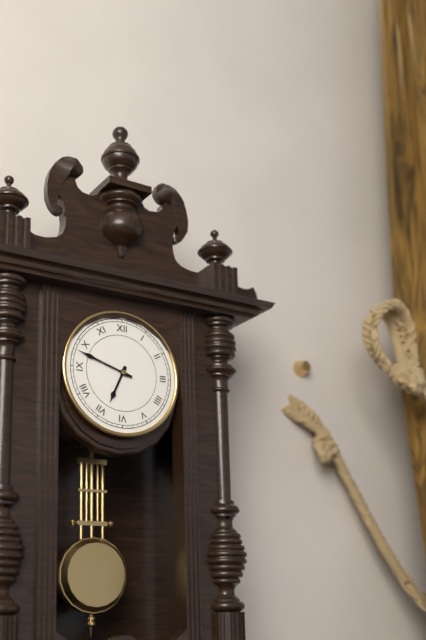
6:48
